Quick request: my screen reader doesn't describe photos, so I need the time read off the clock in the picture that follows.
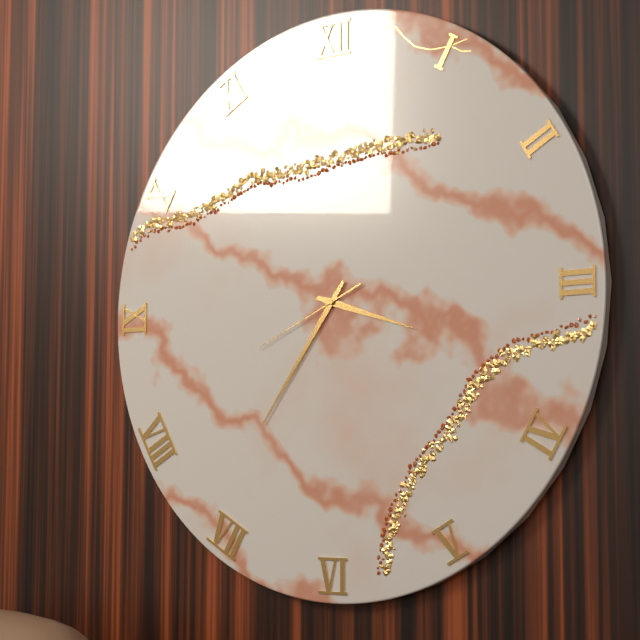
3:36:41
